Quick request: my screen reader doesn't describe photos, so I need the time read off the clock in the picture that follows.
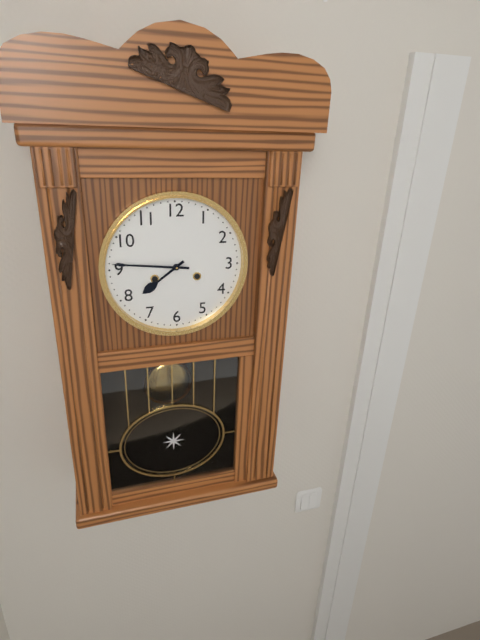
7:46
